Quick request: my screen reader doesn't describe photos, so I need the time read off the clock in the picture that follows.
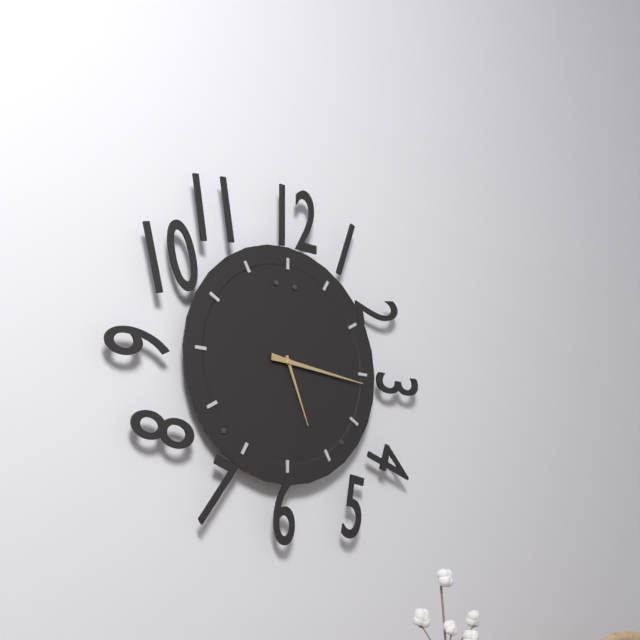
5:16
